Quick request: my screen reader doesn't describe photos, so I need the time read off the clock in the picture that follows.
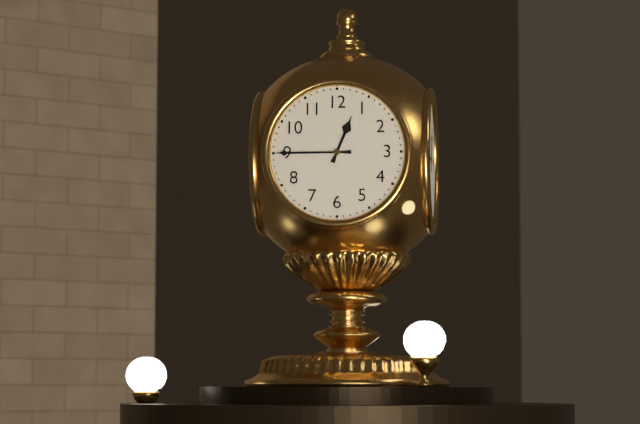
12:45
